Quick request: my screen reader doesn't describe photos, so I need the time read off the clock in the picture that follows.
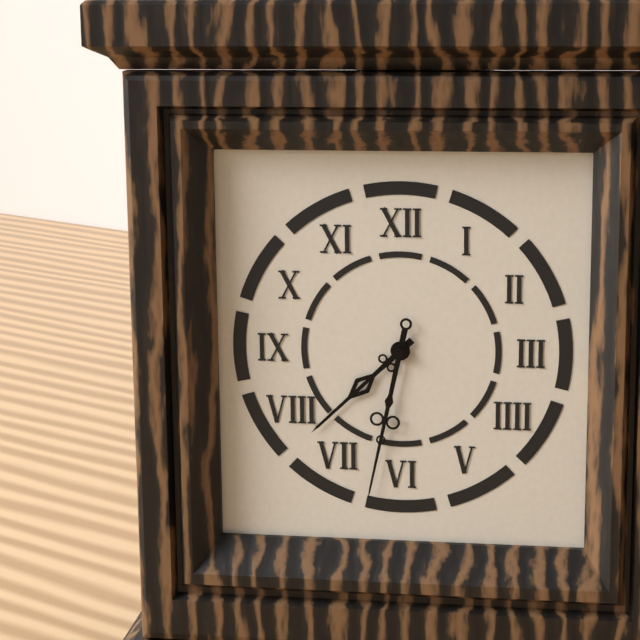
7:32
